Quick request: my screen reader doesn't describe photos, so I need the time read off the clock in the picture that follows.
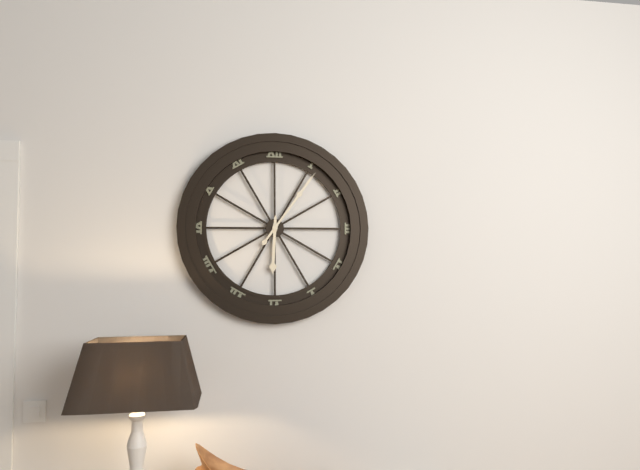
6:06
